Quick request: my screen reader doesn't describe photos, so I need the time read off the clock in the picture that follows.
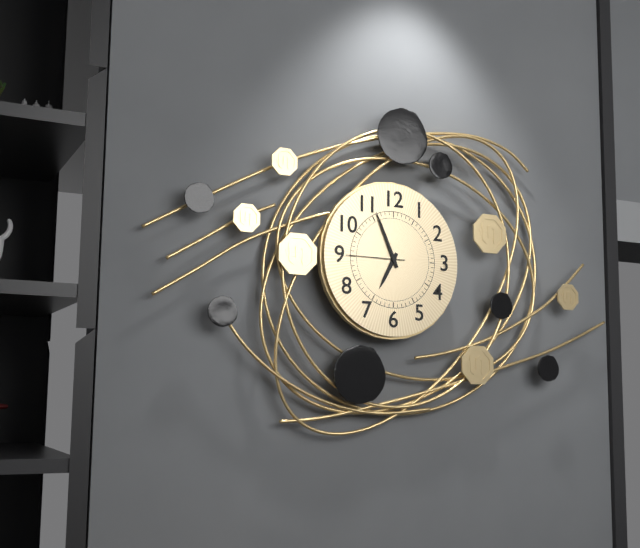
6:56:45
